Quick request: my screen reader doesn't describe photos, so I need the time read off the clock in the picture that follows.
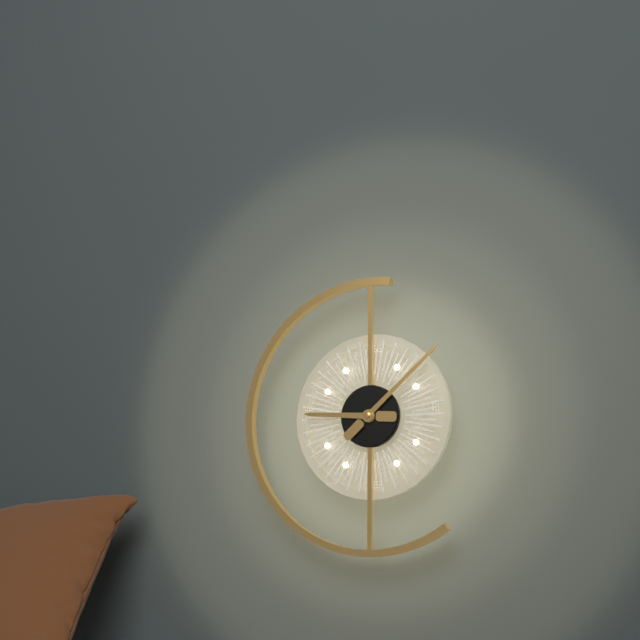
9:08
